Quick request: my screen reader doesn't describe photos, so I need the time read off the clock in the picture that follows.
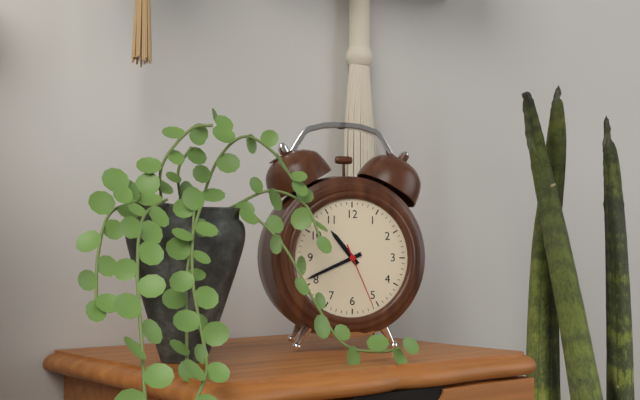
10:41:26
